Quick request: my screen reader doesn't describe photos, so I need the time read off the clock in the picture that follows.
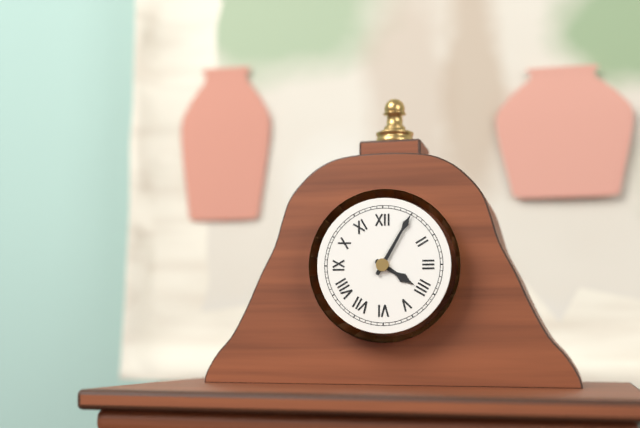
4:05
